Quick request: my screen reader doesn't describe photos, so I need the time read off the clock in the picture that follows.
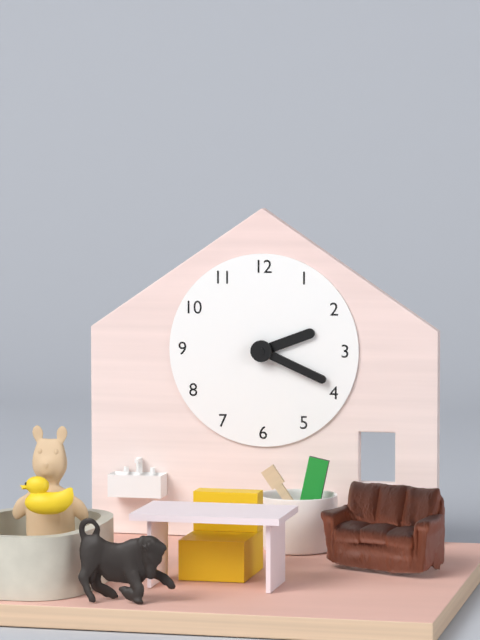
2:19
